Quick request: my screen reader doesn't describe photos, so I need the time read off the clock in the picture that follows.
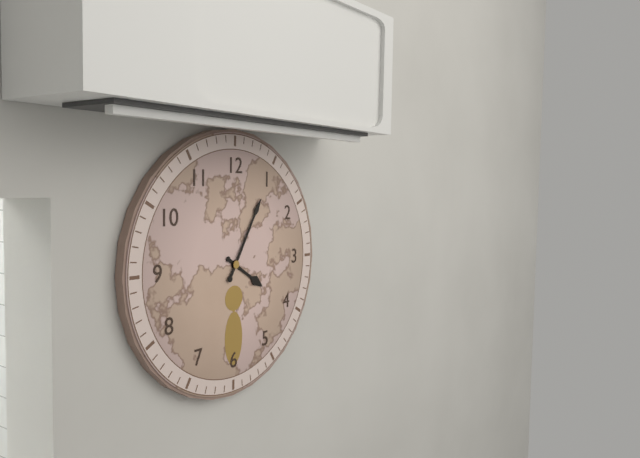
4:05
